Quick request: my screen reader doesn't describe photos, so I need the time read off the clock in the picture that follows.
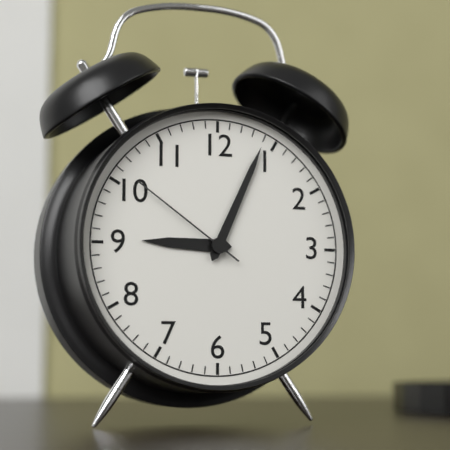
9:04:51
